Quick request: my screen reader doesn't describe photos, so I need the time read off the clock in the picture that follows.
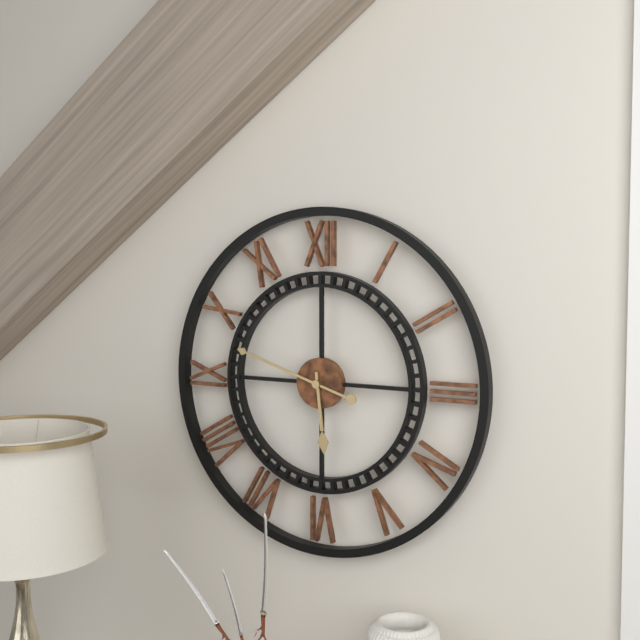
5:48
